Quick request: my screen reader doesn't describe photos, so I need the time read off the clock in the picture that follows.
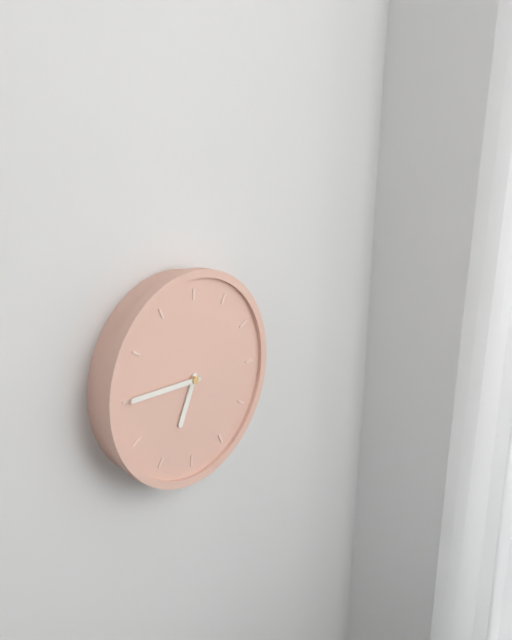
6:45
